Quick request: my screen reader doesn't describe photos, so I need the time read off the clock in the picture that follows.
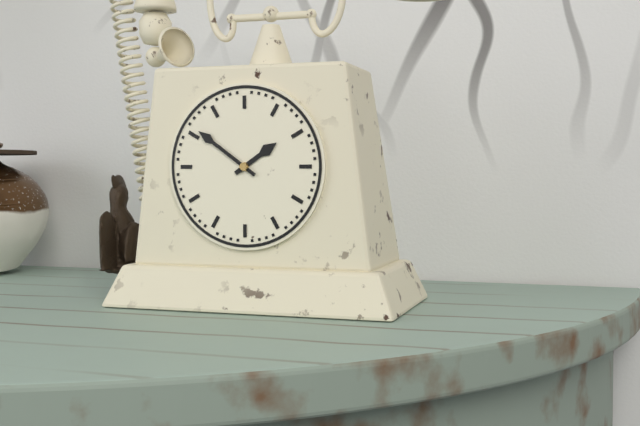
1:51
